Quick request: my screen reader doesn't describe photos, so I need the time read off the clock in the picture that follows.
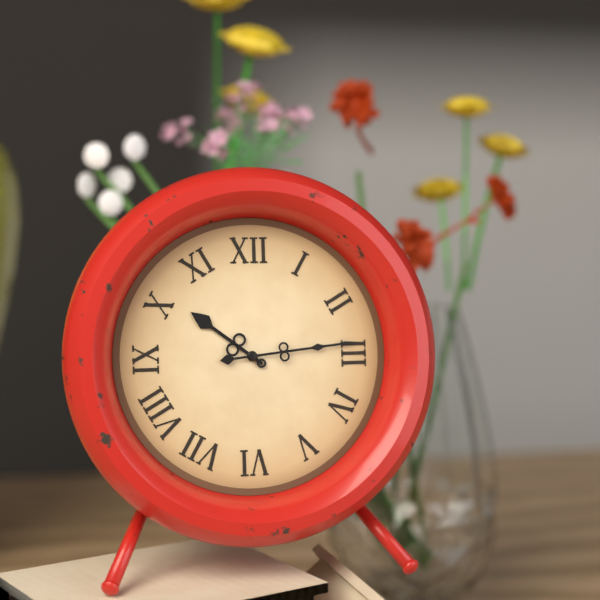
10:14
